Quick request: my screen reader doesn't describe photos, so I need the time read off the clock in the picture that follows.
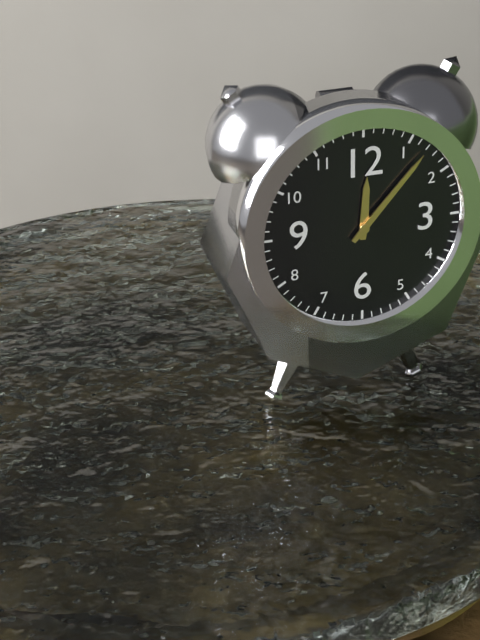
12:07
